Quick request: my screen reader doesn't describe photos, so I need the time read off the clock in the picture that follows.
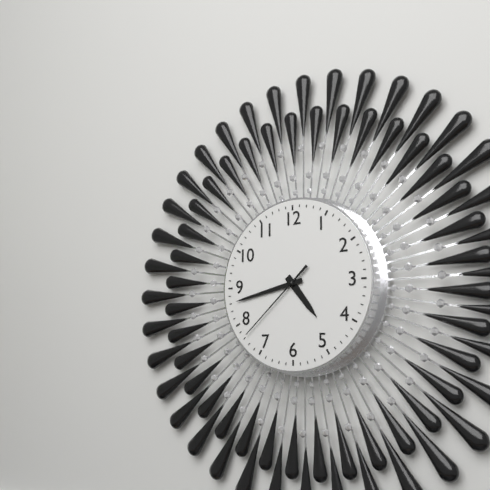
4:43:38
